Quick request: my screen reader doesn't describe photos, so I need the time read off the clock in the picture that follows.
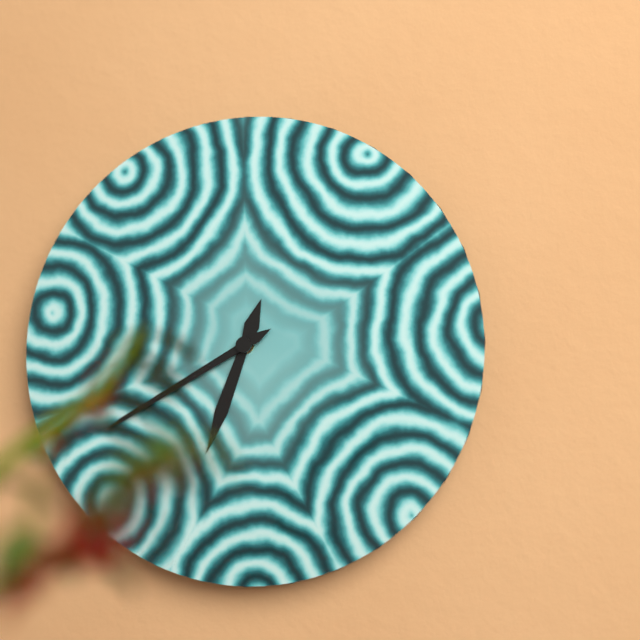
6:40
